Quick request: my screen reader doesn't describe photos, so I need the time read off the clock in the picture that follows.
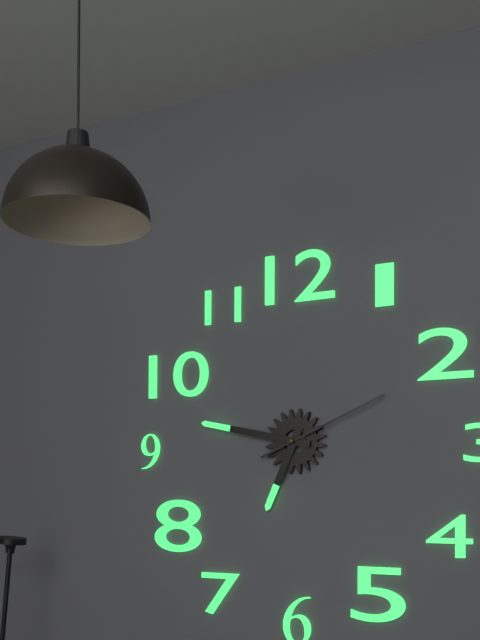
6:47:11
